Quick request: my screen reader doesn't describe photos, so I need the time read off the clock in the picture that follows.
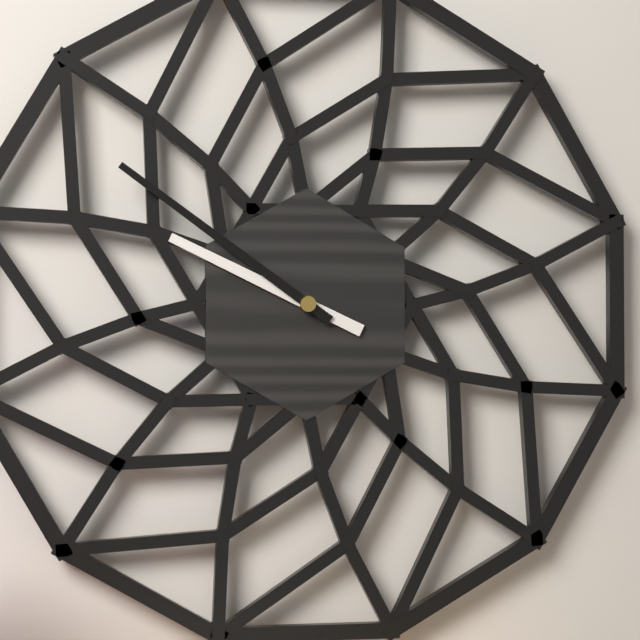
9:51
